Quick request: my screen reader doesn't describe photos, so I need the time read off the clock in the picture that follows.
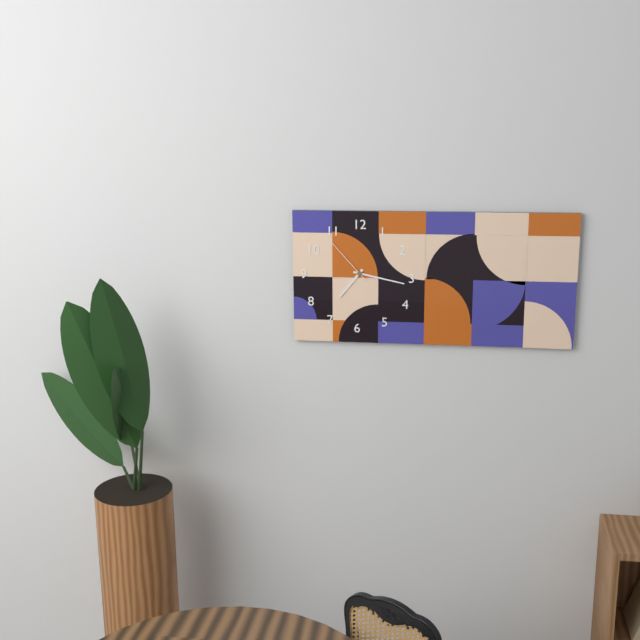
7:17:53
